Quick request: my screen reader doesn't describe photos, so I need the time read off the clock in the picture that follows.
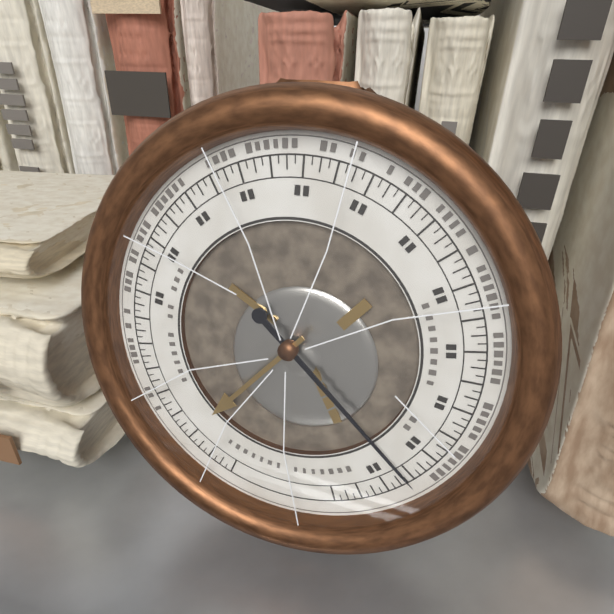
7:22
